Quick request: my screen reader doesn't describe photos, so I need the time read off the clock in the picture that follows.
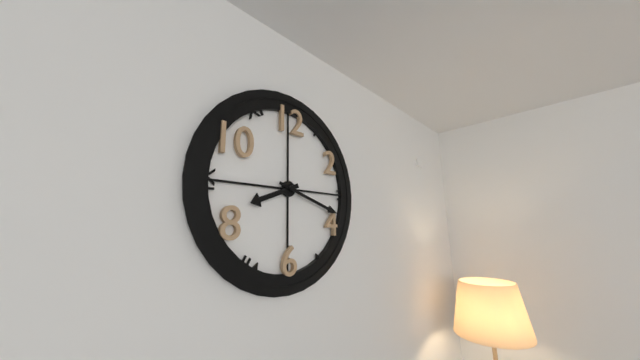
8:18
